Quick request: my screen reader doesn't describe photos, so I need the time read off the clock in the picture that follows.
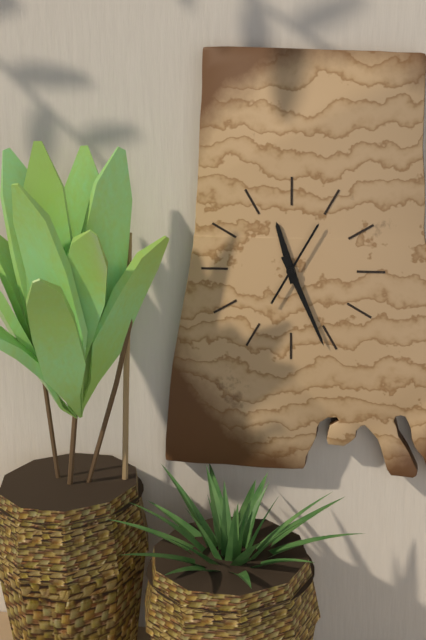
11:26:05
